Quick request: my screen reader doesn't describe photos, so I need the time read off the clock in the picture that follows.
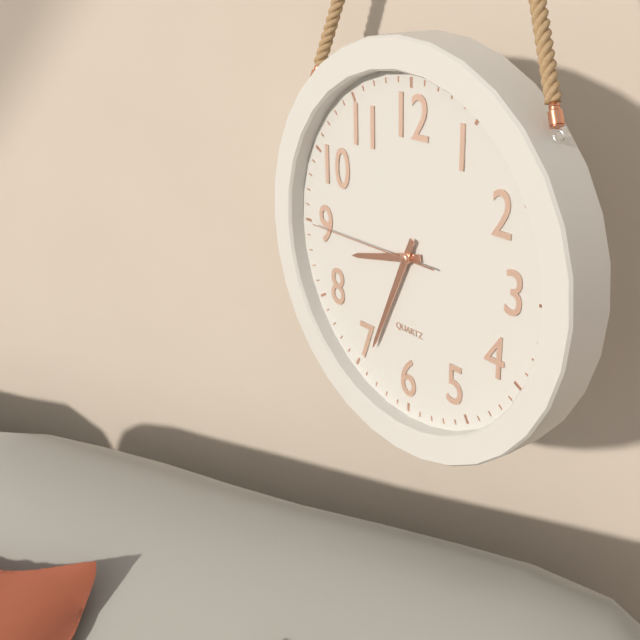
8:34:45
